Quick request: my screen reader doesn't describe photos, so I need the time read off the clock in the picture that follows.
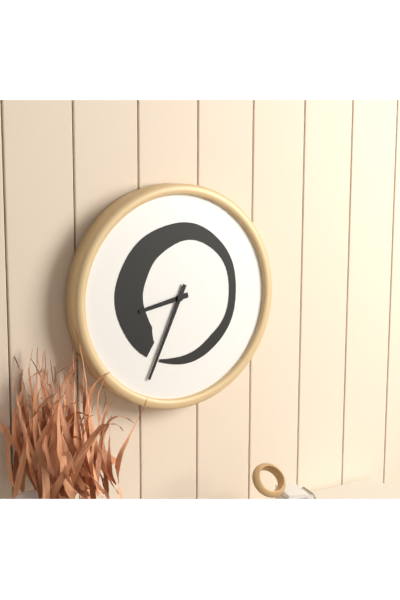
8:34
